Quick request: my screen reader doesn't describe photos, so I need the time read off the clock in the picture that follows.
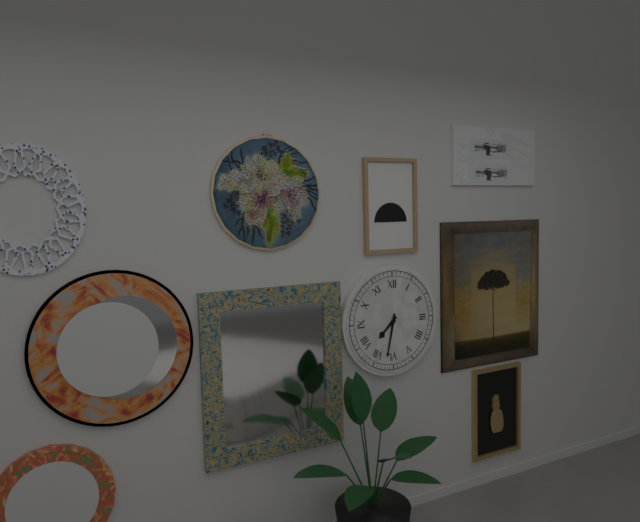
7:32
